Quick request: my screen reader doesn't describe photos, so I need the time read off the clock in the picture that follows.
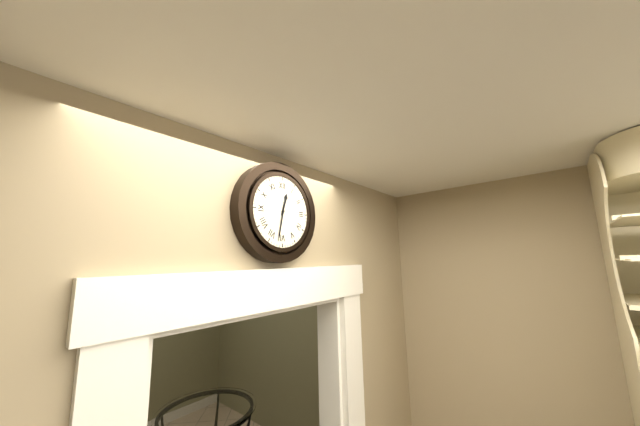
12:32
